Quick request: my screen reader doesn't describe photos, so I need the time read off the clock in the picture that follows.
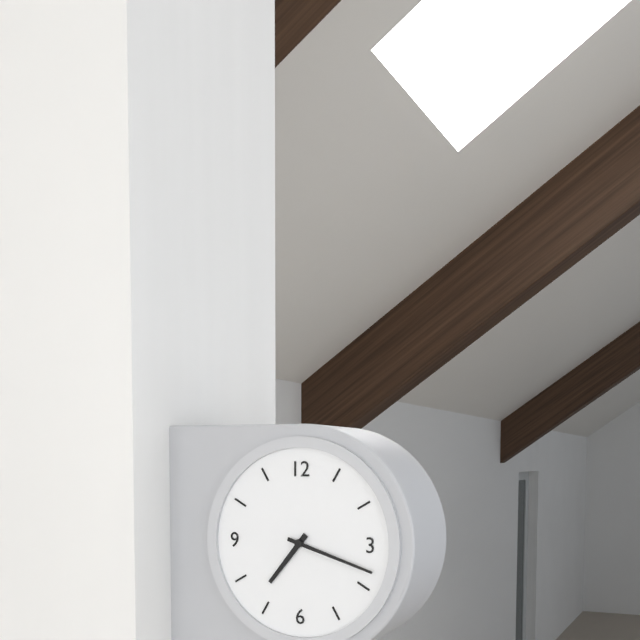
7:18
